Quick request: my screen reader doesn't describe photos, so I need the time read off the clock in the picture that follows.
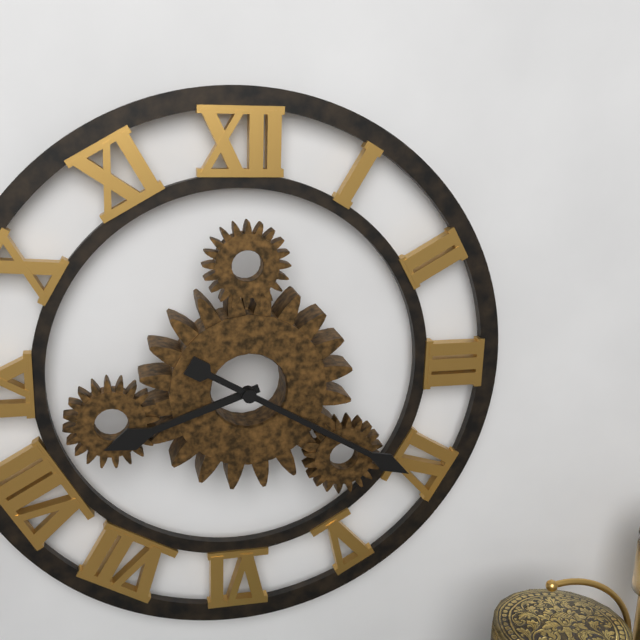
8:20
